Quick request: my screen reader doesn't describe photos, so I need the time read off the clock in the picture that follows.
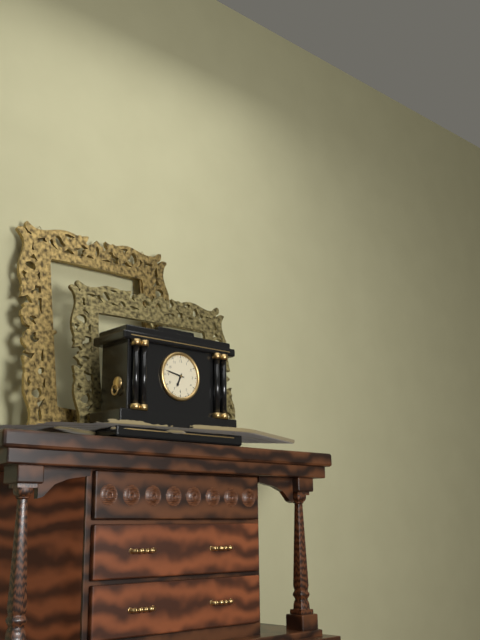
6:47
